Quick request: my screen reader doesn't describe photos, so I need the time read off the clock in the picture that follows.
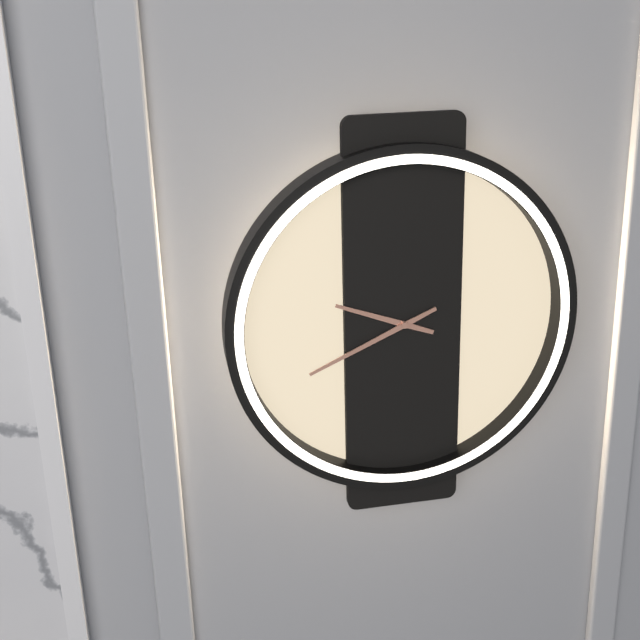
9:41
